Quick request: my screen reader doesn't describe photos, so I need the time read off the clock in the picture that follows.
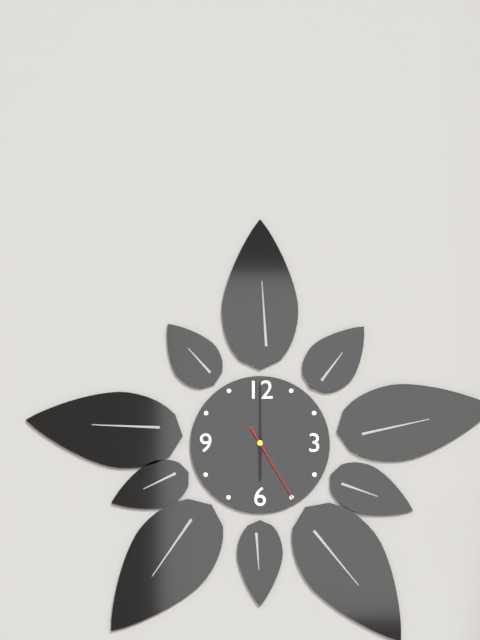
6:00:25
